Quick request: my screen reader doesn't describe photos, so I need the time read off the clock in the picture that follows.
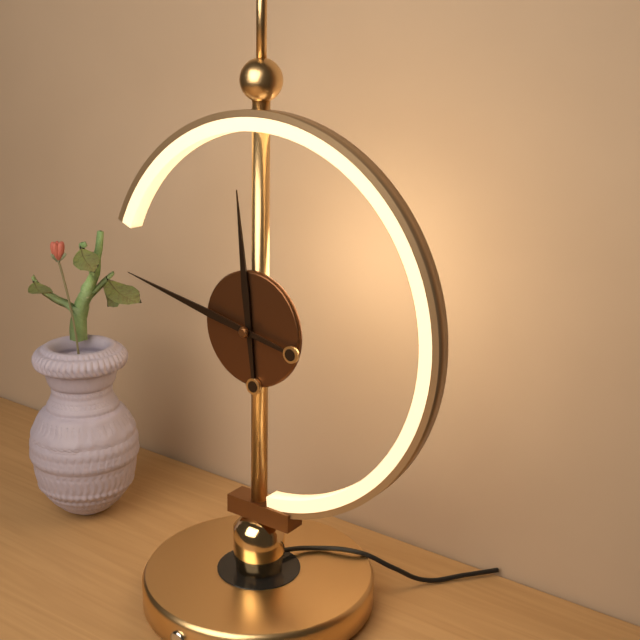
11:47
